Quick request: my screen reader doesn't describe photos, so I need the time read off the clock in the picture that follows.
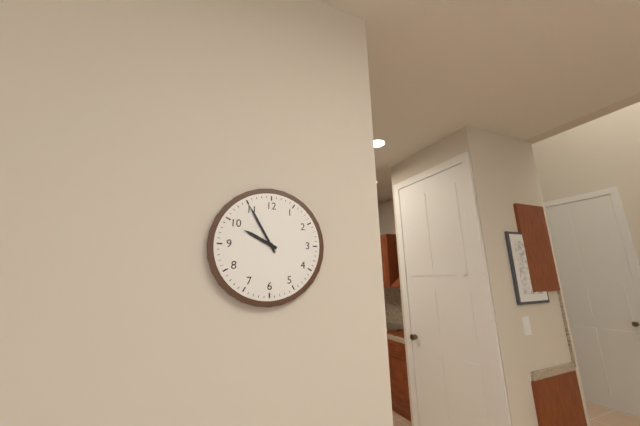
9:55
